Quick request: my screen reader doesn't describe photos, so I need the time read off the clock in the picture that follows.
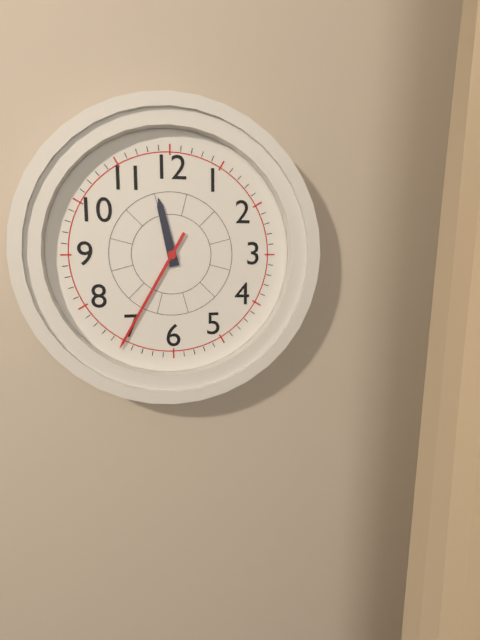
11:35
